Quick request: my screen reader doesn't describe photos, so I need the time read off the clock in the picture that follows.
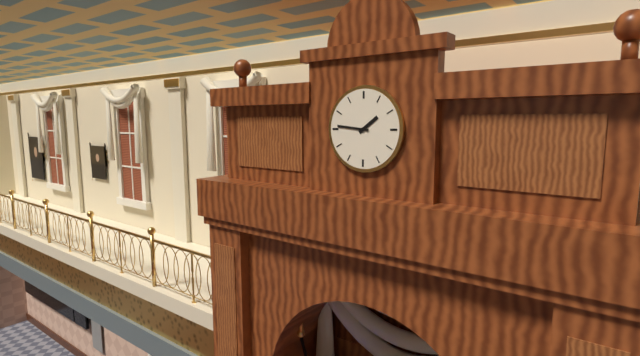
1:46
